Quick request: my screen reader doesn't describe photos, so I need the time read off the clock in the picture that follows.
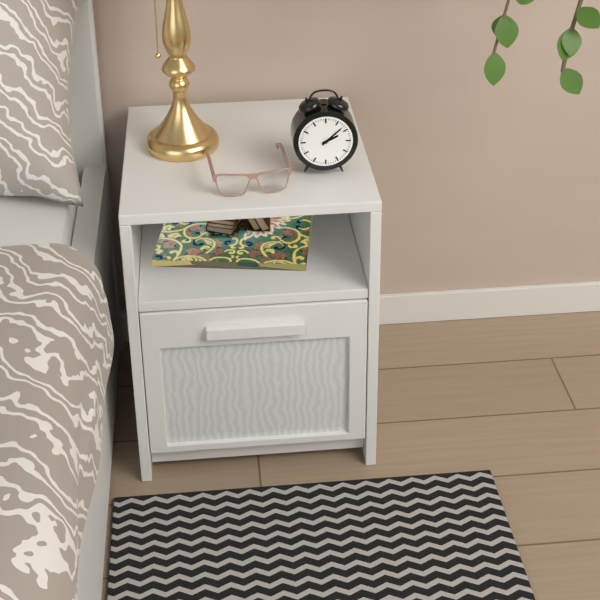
2:08
